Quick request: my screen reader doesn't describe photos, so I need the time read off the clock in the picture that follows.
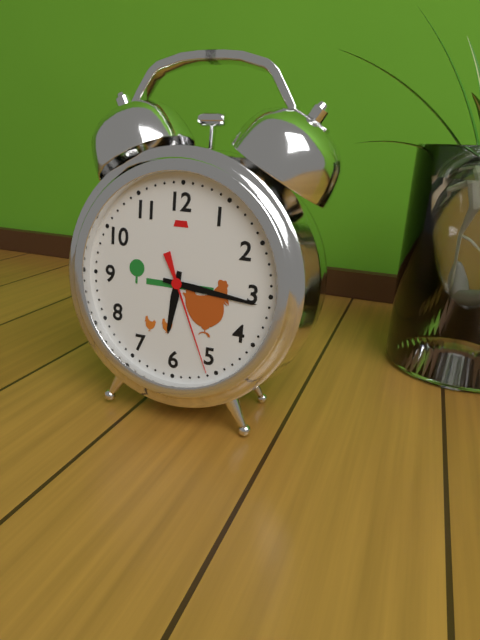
6:16:26
